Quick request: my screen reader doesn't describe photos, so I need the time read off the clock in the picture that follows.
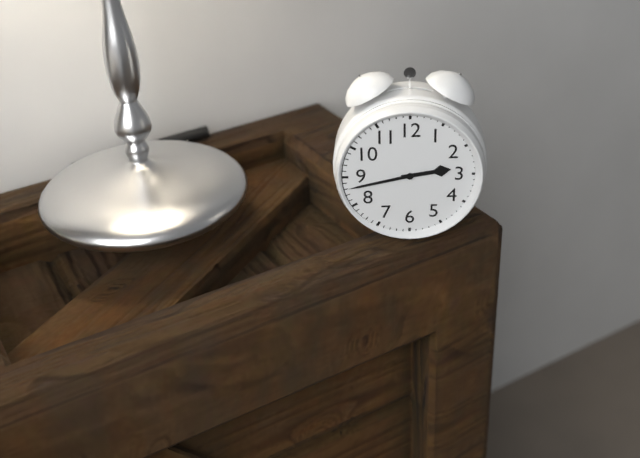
2:43
